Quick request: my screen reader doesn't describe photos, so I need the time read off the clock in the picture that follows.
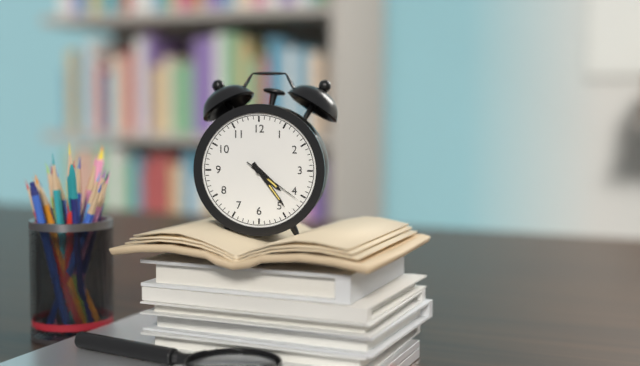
4:24:21
